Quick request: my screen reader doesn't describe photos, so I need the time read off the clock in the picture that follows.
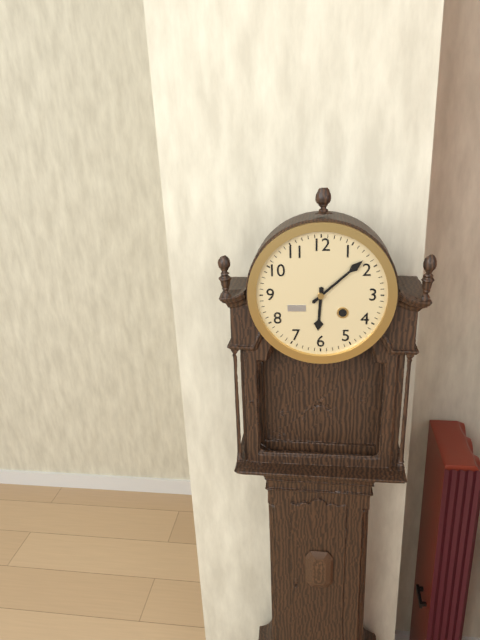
6:08
